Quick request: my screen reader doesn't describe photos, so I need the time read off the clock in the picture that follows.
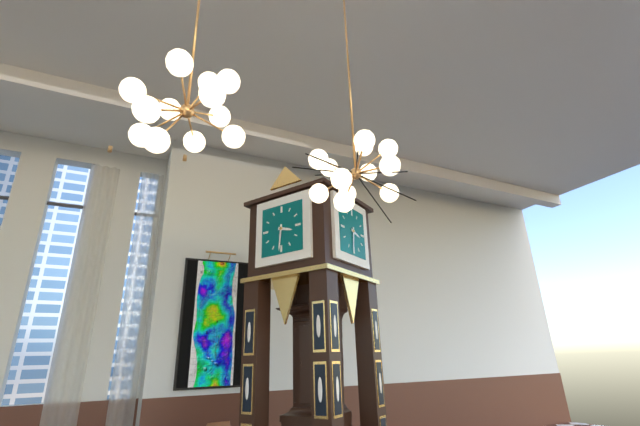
3:31
